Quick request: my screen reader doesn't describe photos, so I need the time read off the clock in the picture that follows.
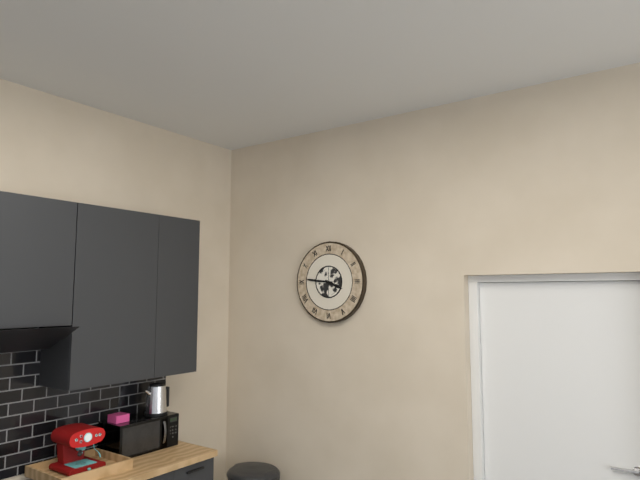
3:46
